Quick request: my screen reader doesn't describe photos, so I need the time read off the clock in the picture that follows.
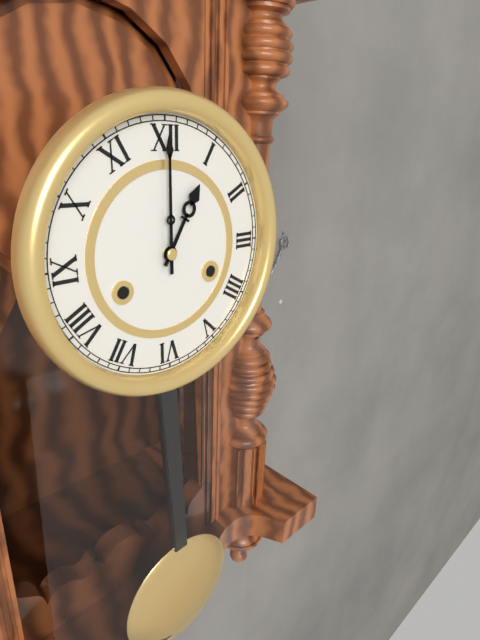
1:00
